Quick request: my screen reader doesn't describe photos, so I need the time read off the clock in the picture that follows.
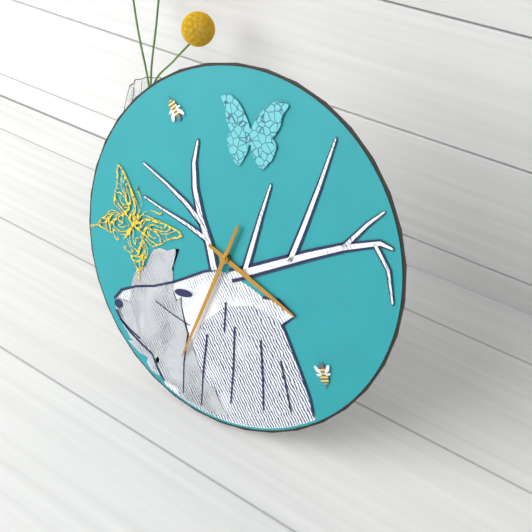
3:32
